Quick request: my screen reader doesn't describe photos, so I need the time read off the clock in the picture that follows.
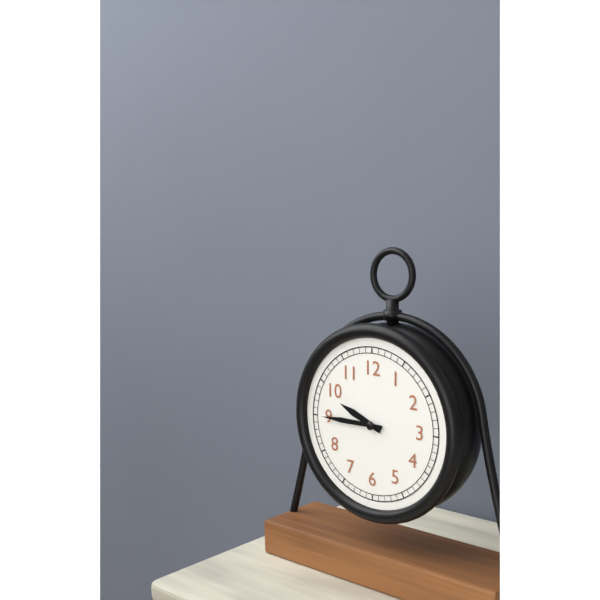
9:45
